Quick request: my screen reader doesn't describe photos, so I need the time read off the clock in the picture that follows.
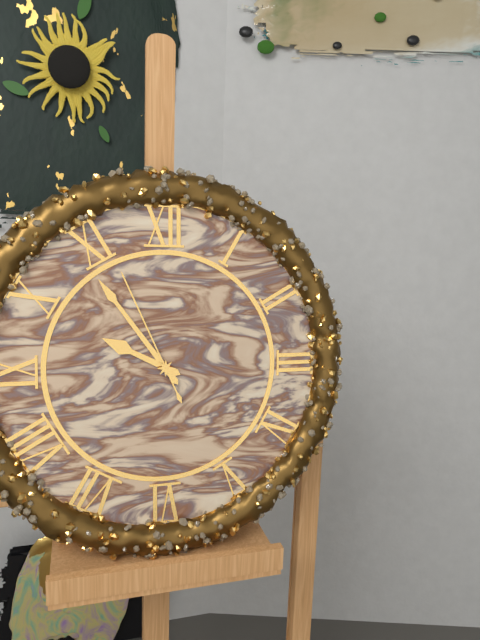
9:54:56
